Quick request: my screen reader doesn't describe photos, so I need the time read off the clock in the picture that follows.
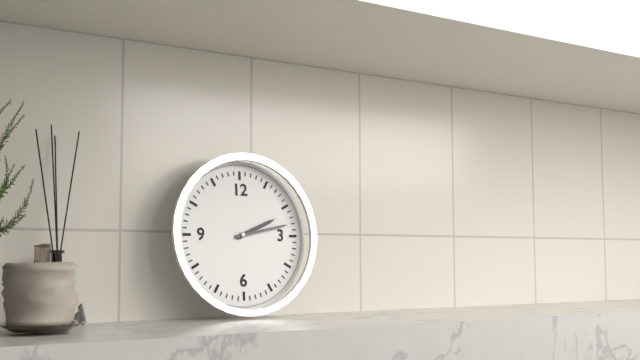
2:13
